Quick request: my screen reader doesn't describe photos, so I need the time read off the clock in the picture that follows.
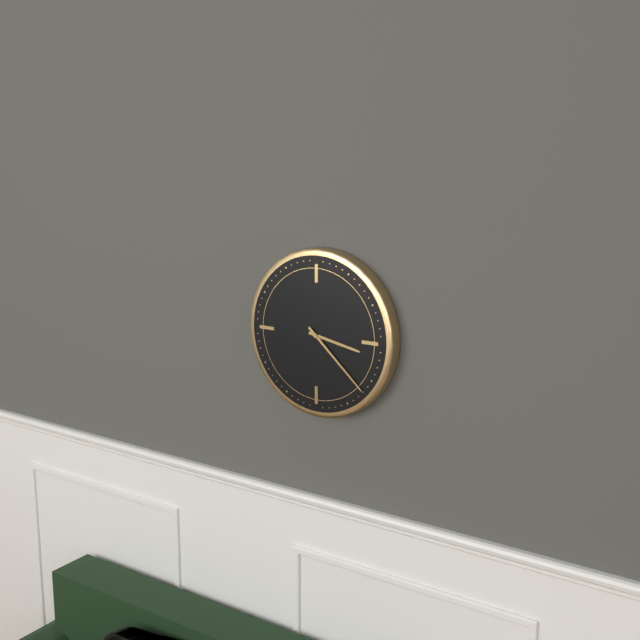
3:22
